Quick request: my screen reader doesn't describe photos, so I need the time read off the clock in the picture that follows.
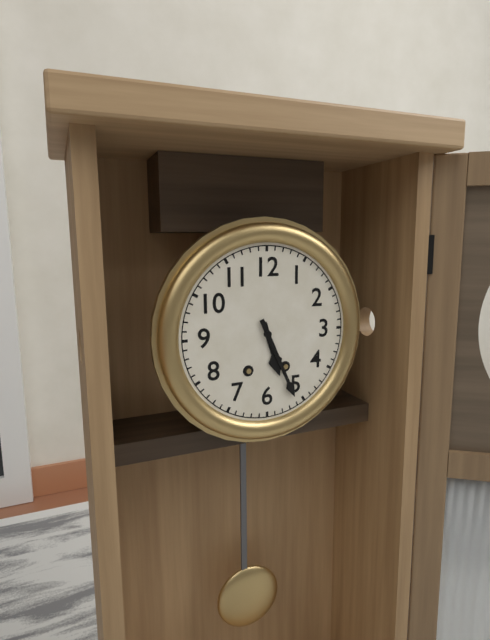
5:26
